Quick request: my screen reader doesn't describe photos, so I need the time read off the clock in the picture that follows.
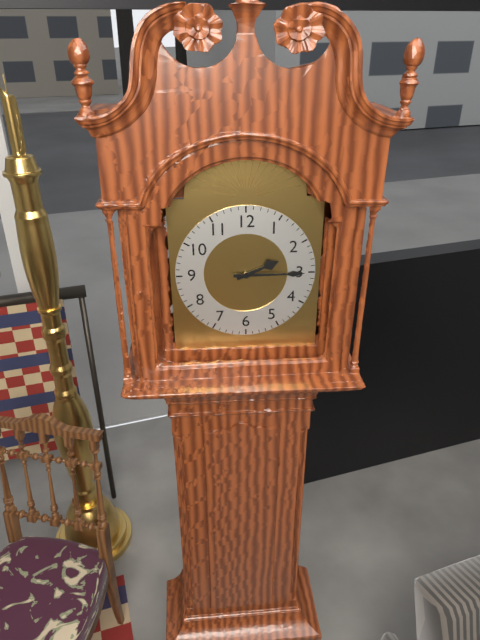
2:15
